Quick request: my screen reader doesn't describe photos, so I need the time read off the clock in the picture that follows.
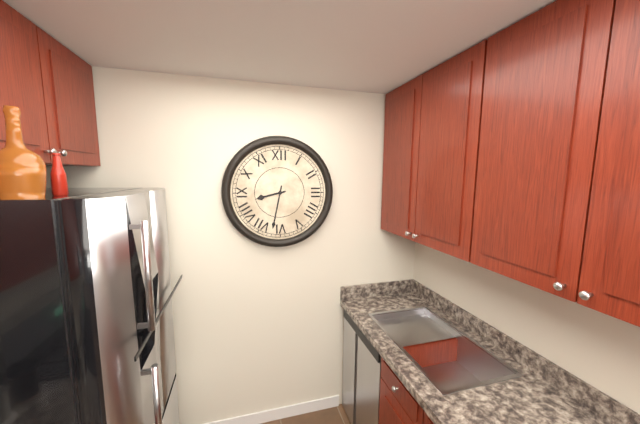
8:32
